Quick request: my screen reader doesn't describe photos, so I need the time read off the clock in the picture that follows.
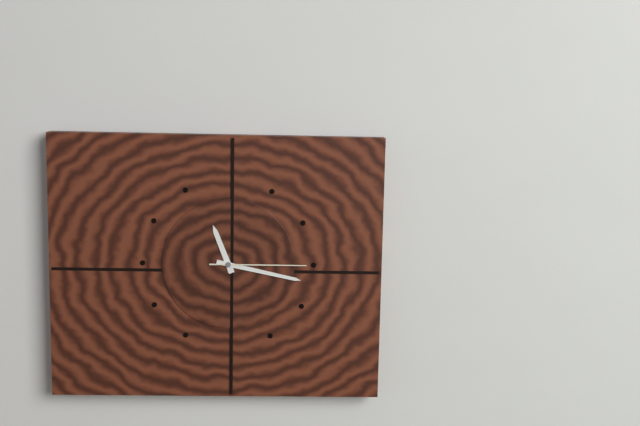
11:17:15
